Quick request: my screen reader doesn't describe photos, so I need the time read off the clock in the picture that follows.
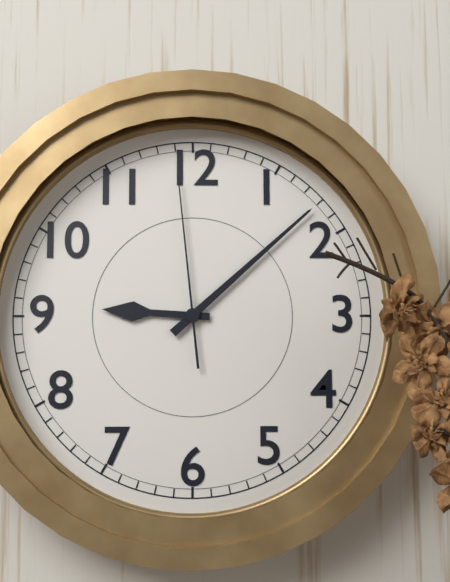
9:08:59
